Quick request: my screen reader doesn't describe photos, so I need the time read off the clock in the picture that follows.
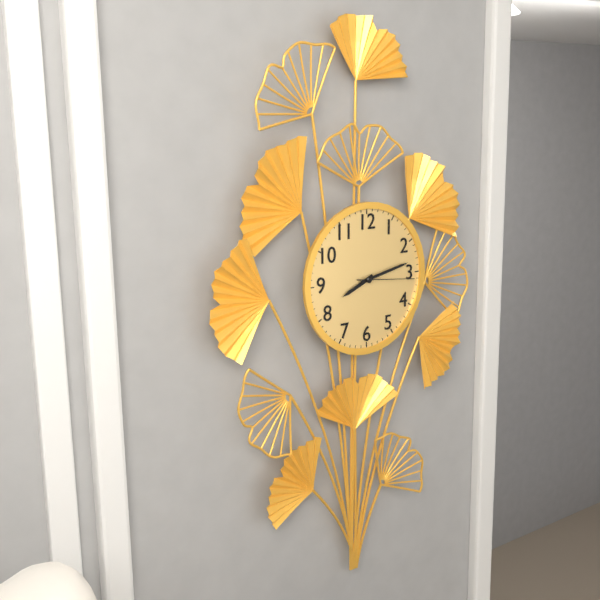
8:13:16
